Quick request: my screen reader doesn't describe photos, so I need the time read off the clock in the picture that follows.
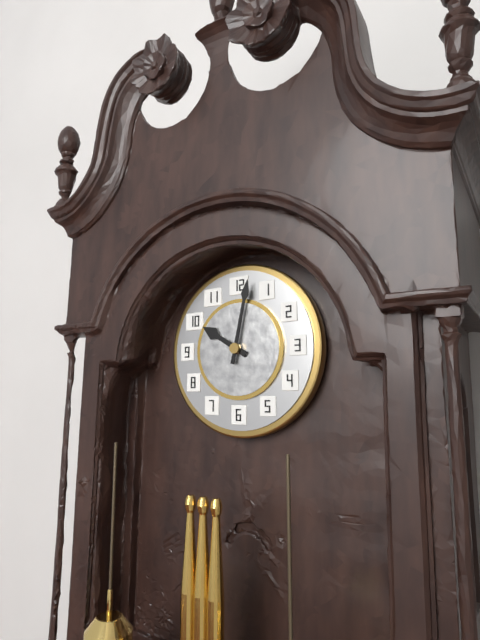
10:02
